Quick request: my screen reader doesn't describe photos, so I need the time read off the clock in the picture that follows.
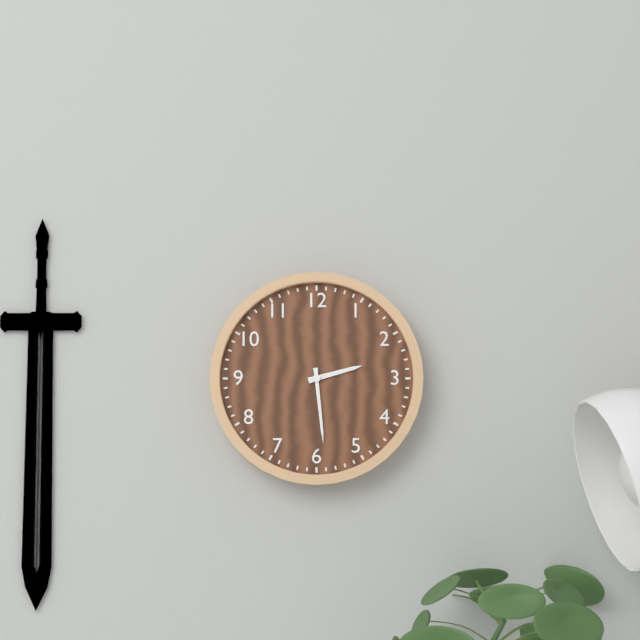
2:29
